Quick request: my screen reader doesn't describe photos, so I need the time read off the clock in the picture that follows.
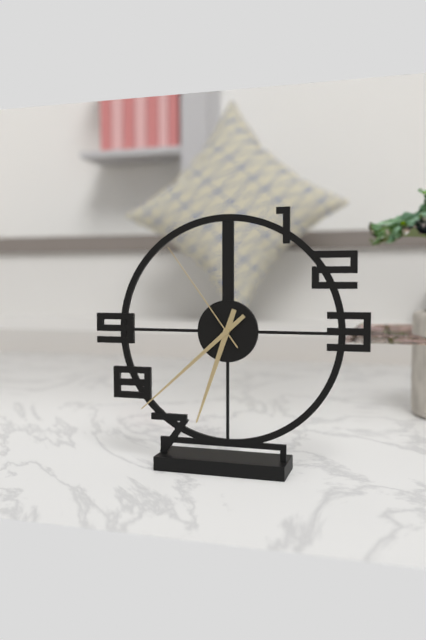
6:38:54
